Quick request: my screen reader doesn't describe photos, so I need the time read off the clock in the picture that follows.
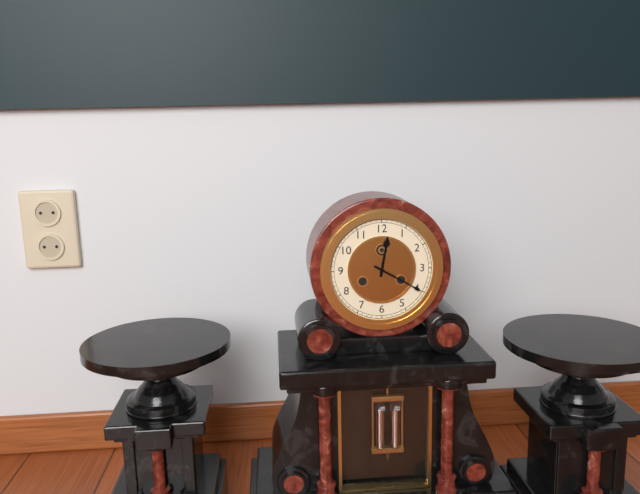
12:20
